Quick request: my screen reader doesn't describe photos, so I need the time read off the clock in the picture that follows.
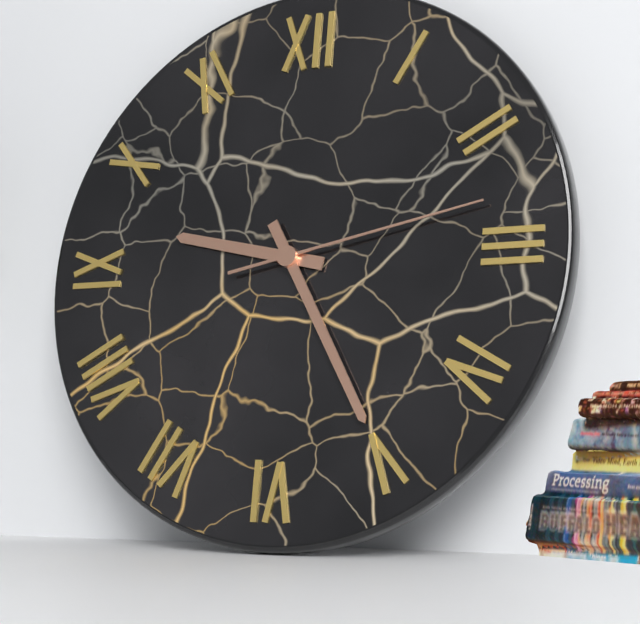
9:25:13
